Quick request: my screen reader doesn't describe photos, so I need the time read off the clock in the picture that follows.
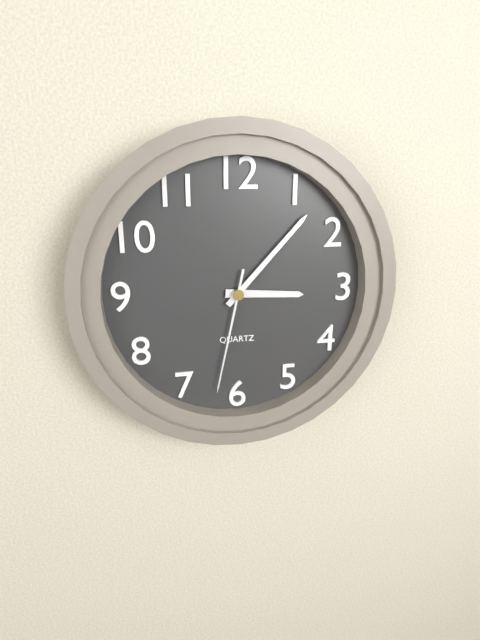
3:07:32
